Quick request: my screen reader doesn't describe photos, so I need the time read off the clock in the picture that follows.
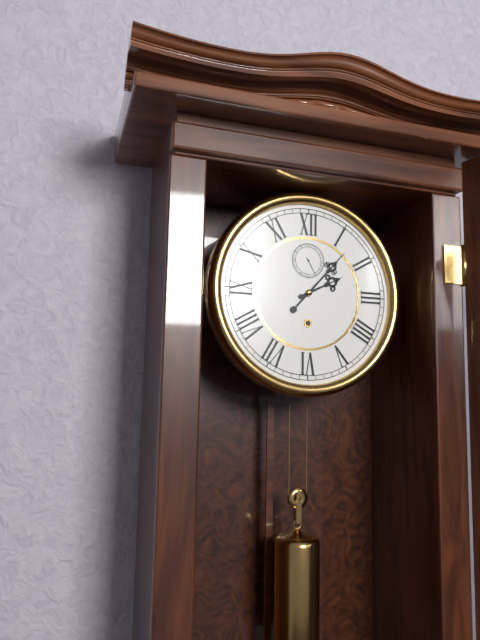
2:07
